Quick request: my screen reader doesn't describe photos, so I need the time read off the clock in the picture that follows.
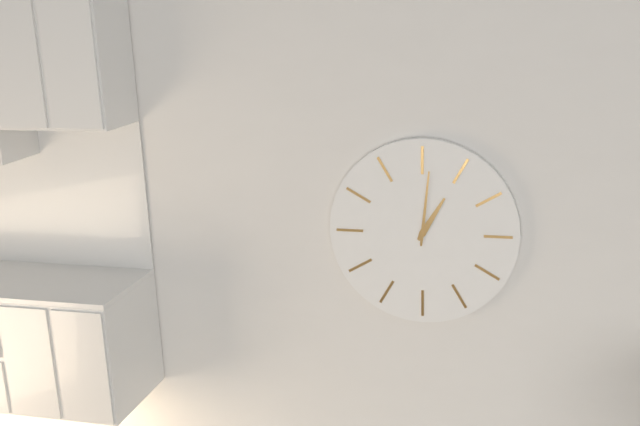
1:01
